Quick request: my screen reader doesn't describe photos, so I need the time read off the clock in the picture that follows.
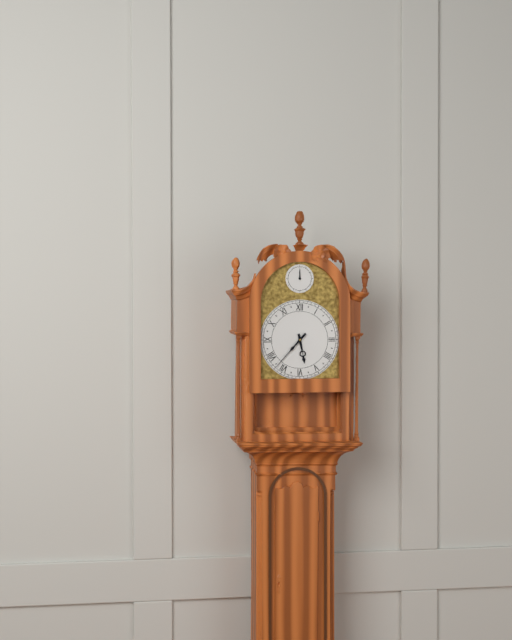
5:37
